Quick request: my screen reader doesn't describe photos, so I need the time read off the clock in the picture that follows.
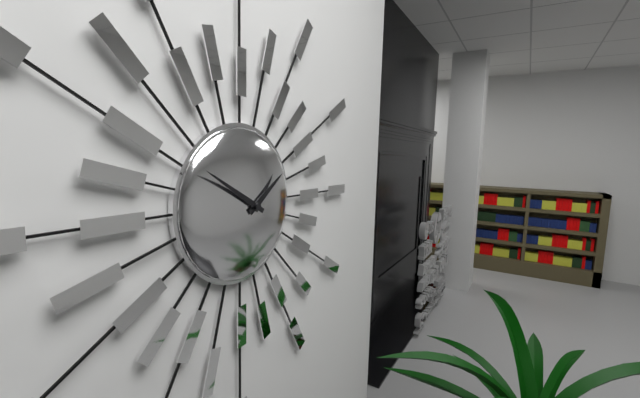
1:50
